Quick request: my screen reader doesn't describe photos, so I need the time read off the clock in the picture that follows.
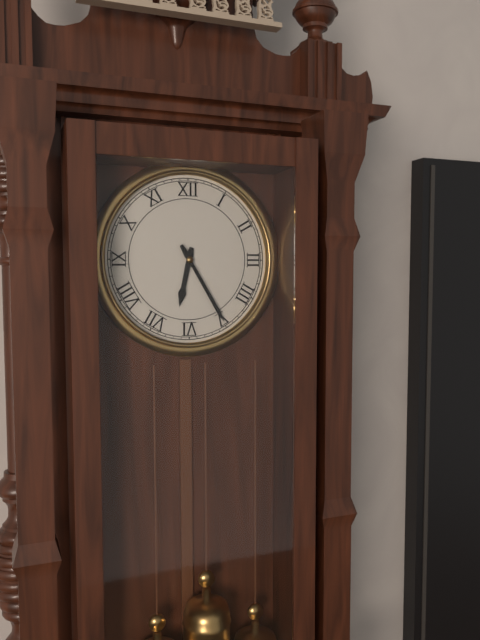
6:25
